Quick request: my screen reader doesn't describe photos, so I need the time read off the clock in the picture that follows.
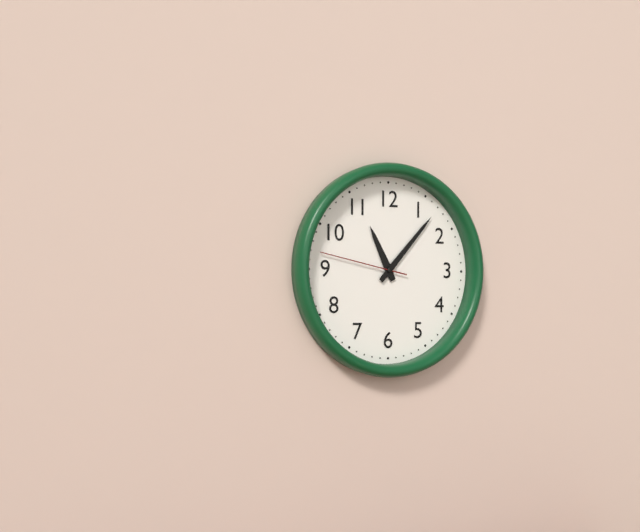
11:07:47
